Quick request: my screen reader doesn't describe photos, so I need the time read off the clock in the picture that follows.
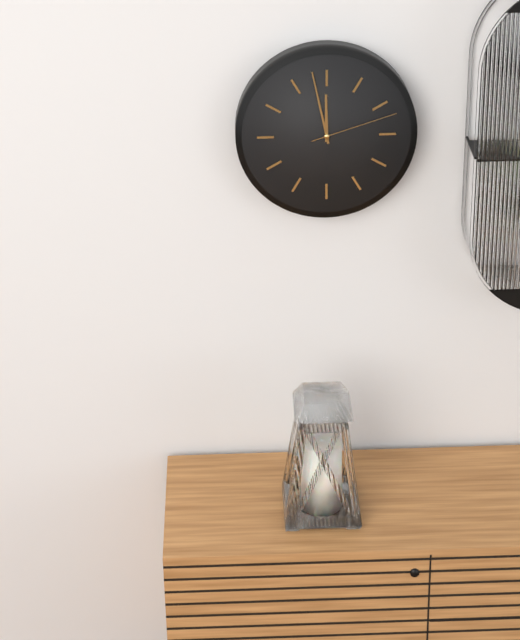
11:58:12
